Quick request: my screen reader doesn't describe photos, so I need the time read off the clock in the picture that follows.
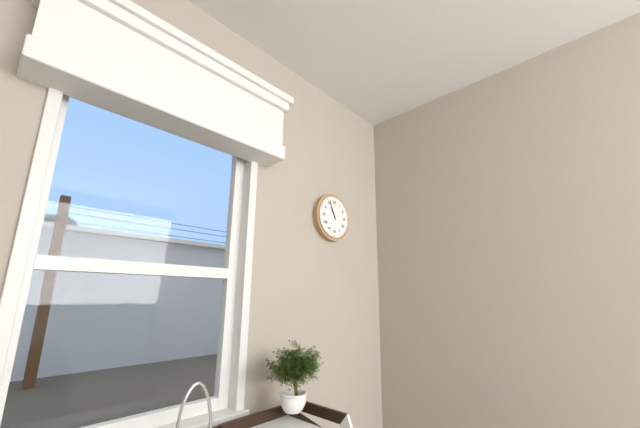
10:56
